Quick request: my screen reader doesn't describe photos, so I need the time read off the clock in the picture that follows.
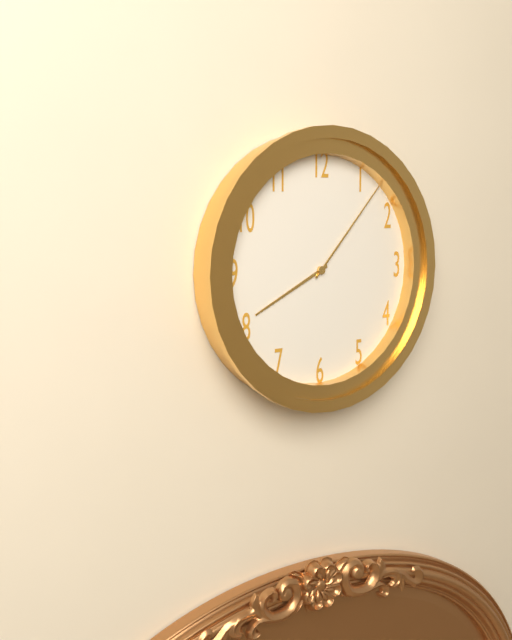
8:07
